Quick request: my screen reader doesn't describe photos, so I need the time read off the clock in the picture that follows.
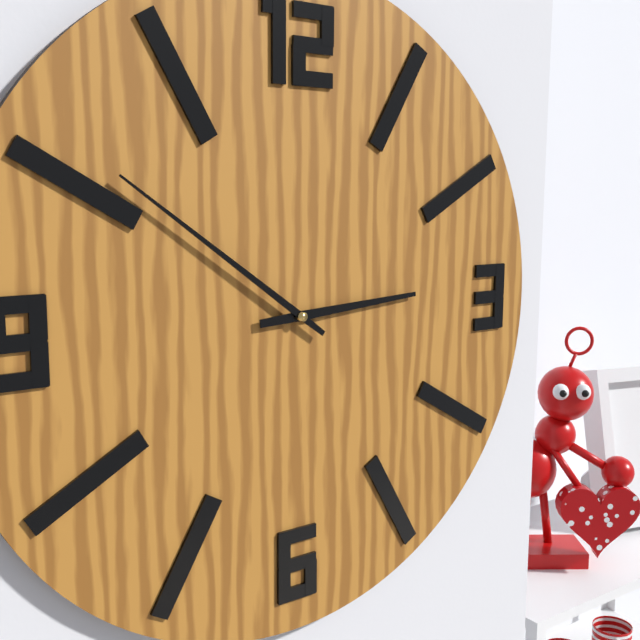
2:51
